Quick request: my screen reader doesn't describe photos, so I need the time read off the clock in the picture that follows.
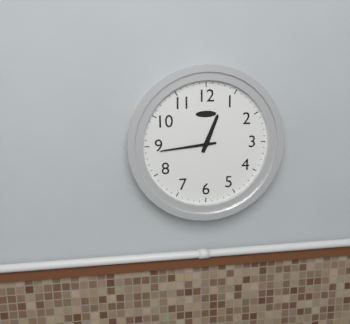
12:44
